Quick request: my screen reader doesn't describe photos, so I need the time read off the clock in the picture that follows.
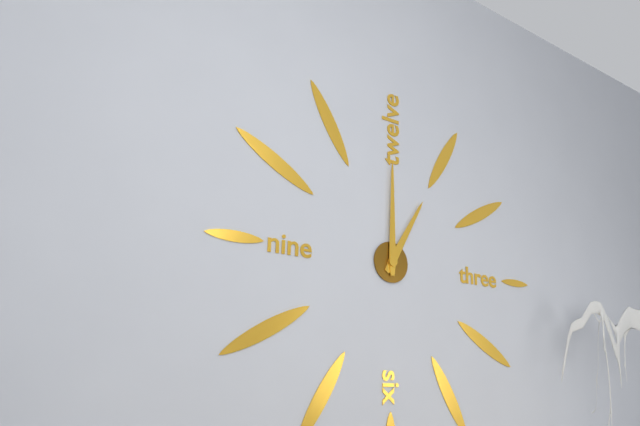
1:00
